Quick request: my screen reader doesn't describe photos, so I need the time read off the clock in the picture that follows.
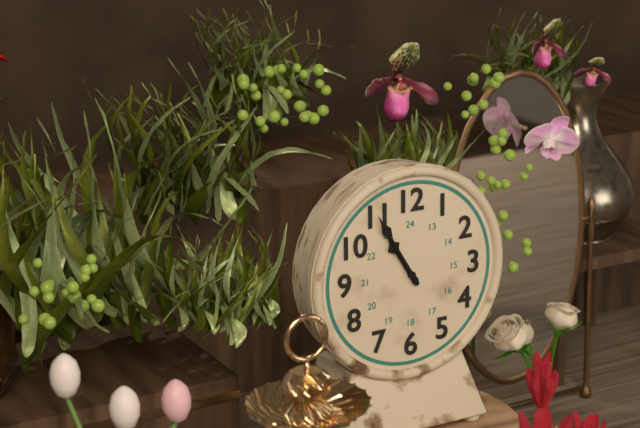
10:55
